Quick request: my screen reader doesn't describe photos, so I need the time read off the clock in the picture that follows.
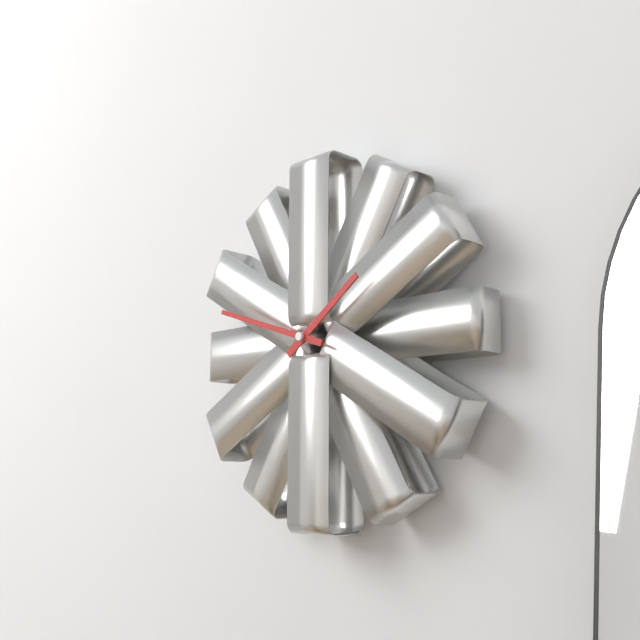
1:48
